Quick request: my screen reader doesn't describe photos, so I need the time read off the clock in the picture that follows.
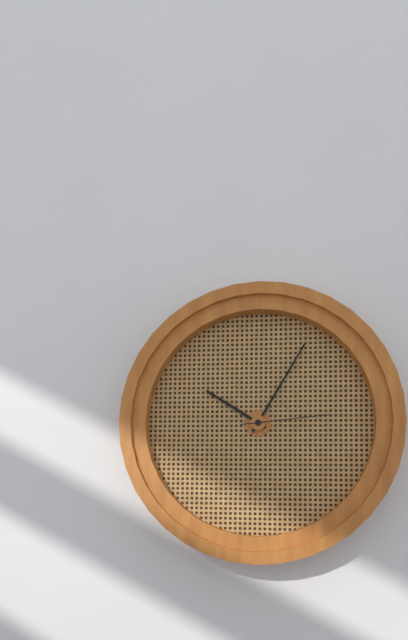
10:05:14
